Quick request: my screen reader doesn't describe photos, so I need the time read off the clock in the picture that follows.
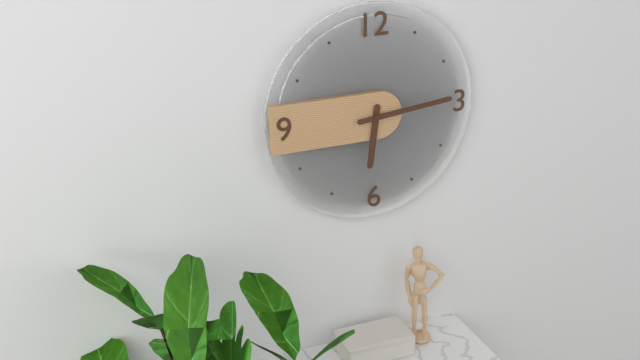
6:14
